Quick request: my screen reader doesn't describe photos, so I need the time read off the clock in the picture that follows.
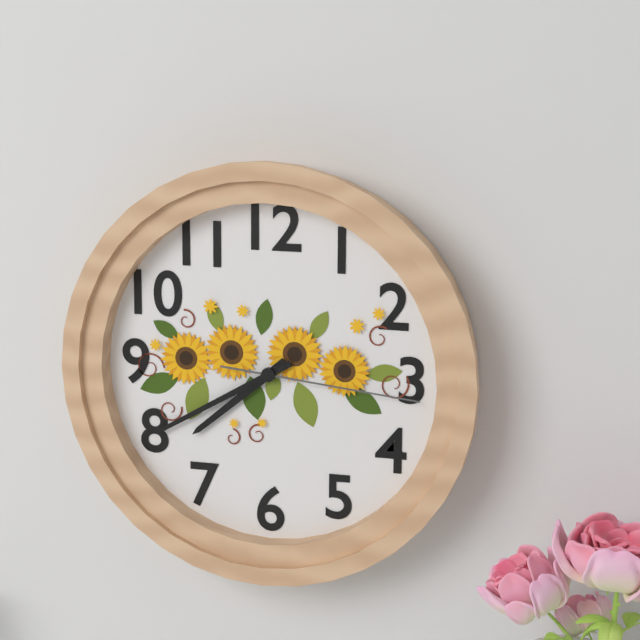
7:40:16
